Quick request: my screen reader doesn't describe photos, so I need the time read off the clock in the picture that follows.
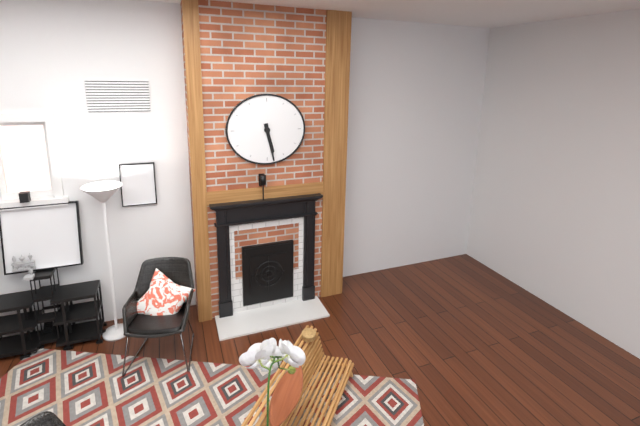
5:28
